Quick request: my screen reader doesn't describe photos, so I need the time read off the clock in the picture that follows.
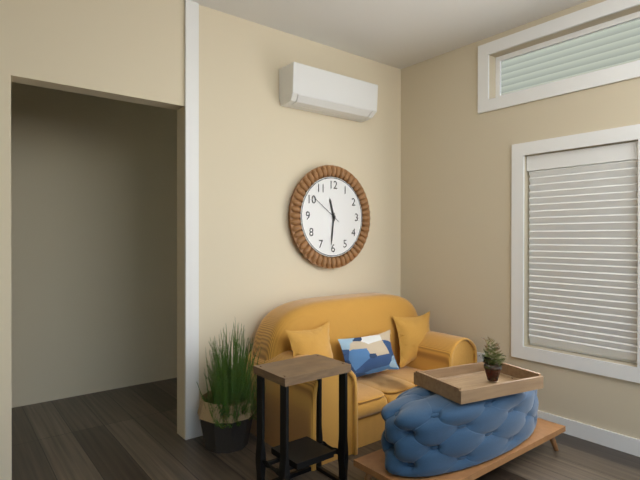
11:31
